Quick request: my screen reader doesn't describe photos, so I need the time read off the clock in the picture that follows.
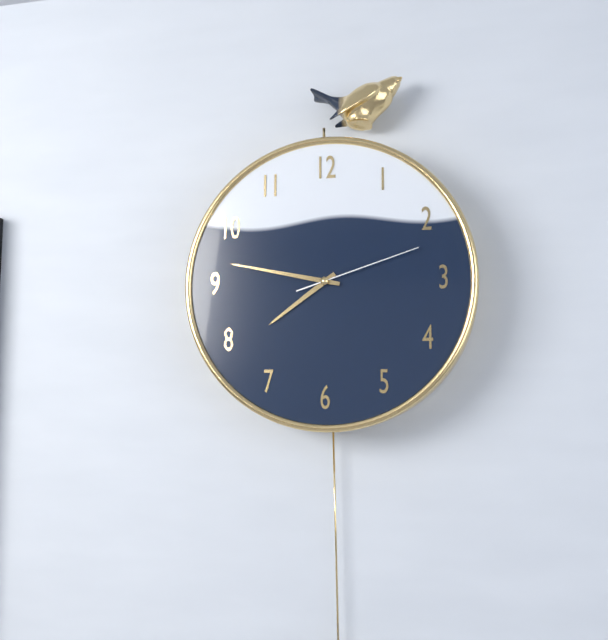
7:47:12
